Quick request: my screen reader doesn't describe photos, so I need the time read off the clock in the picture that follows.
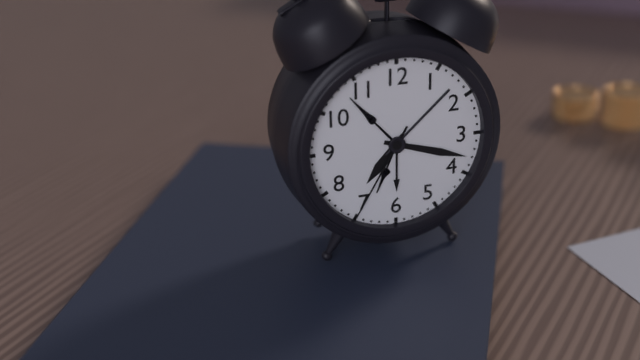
7:18:35
